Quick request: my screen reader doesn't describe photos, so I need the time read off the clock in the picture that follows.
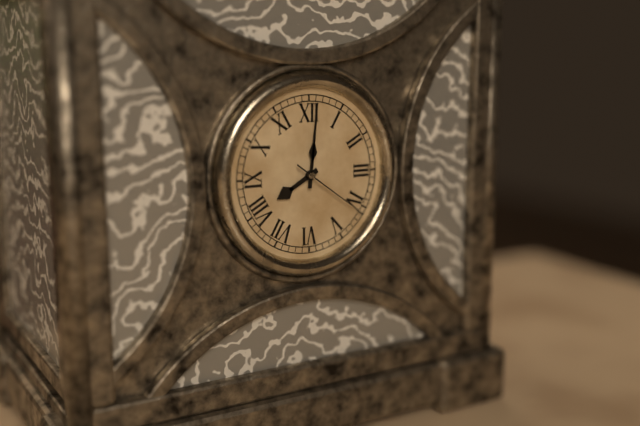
8:01:21
